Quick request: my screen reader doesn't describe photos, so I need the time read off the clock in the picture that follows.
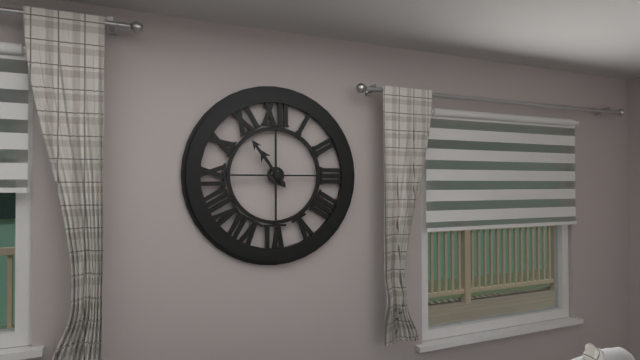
10:54
